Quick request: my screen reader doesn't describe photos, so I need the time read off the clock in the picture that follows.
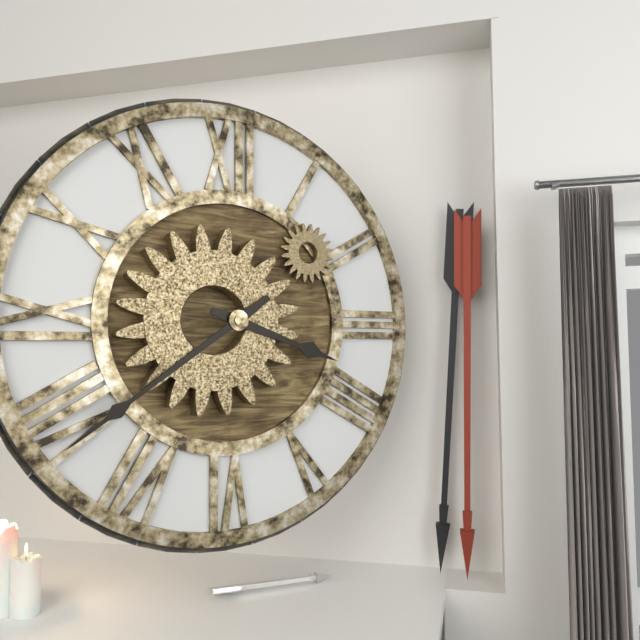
3:39
